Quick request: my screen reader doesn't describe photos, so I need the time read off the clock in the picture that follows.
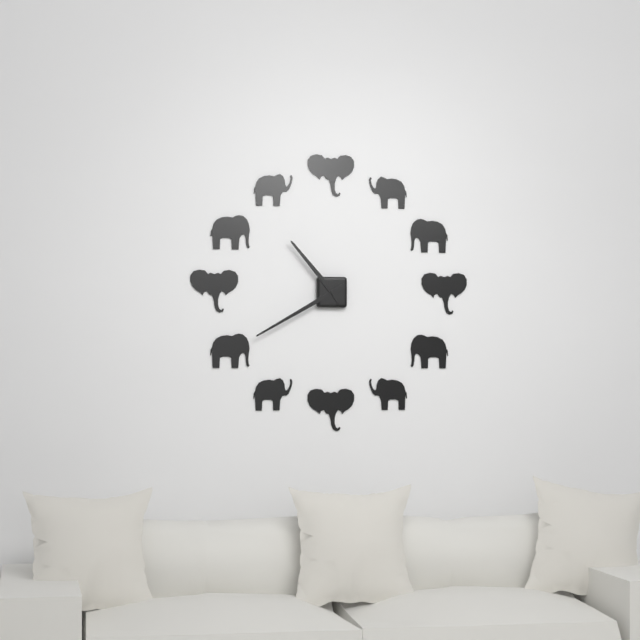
10:40
